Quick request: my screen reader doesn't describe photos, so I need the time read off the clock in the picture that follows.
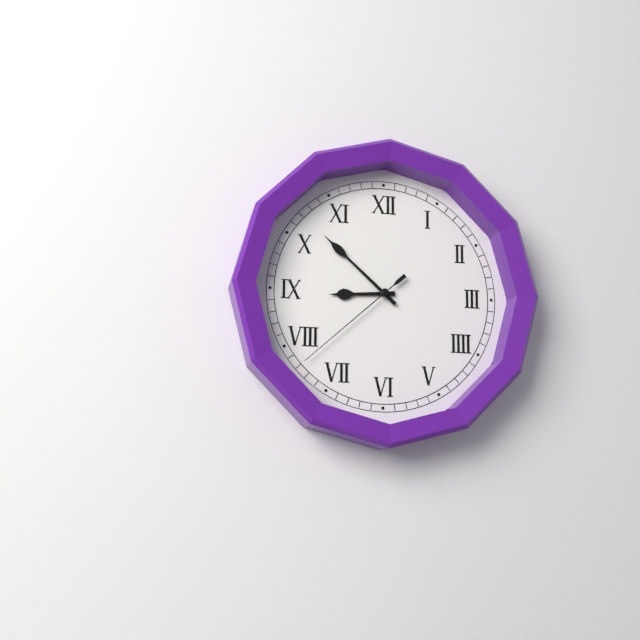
8:52:38
